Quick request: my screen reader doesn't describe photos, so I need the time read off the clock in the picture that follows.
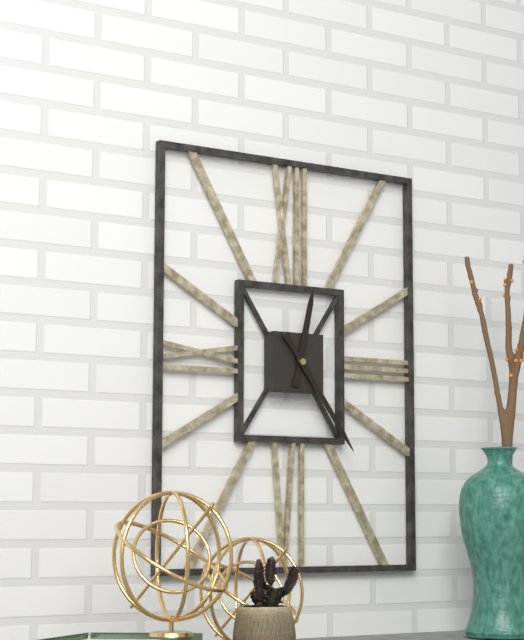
12:24
